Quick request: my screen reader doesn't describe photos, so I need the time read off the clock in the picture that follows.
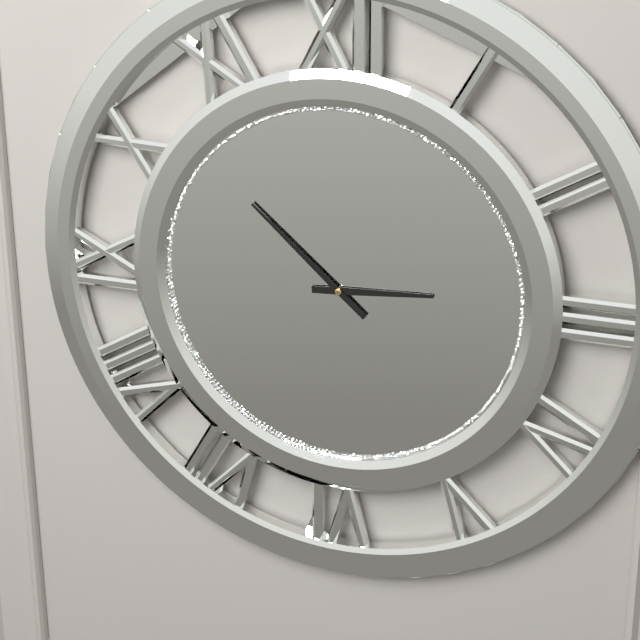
2:52
